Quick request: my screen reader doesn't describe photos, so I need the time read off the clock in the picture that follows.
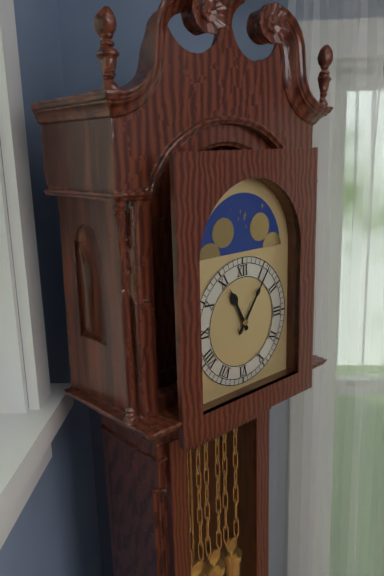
11:06
